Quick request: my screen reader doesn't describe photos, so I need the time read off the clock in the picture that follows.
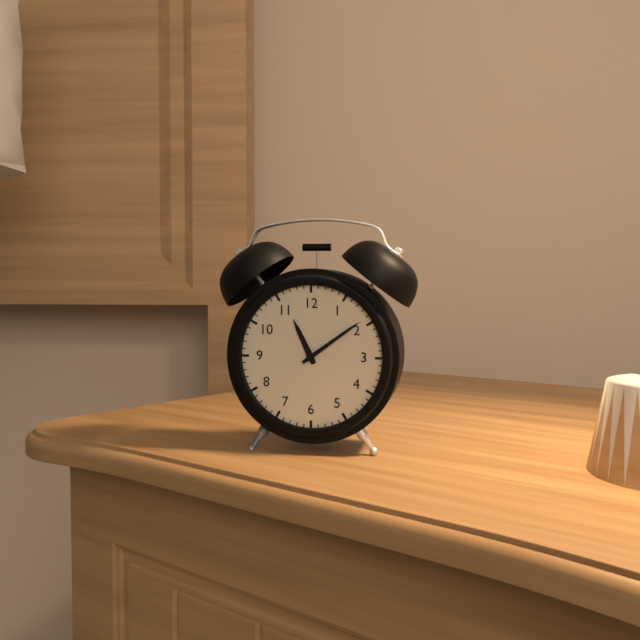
11:09
